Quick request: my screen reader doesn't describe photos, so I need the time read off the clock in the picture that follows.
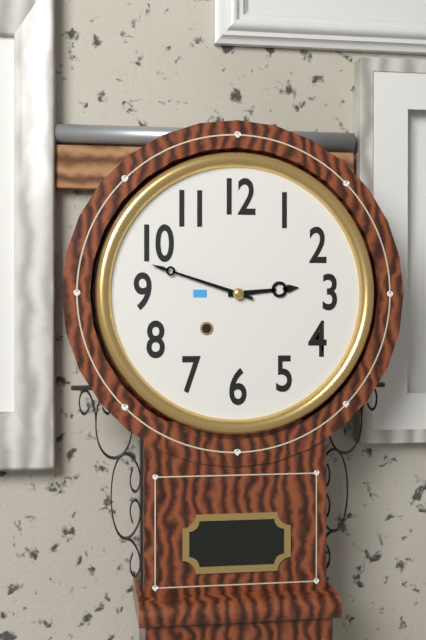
2:48
